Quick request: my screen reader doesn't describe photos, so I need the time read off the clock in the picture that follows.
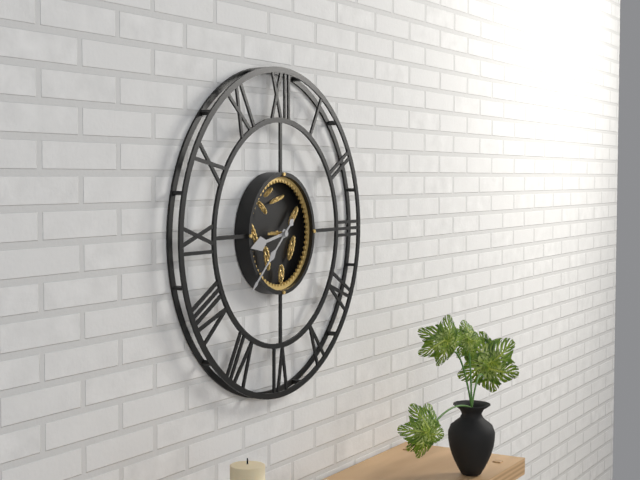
8:38
